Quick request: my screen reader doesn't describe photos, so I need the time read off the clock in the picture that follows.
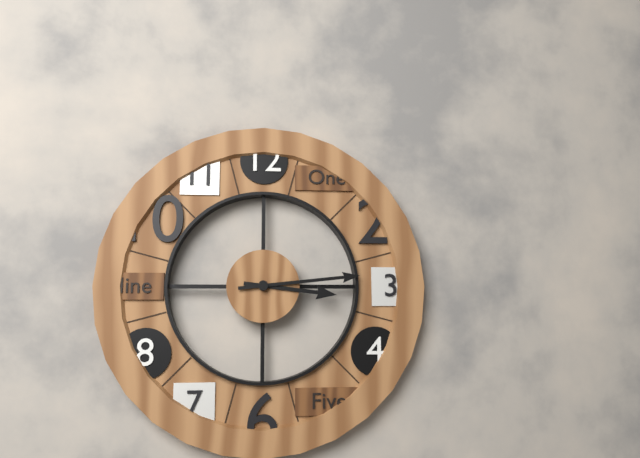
3:14
